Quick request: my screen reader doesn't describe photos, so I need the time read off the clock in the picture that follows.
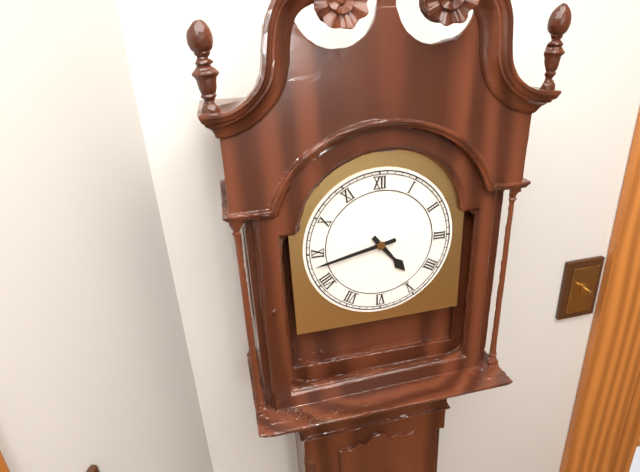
4:43
